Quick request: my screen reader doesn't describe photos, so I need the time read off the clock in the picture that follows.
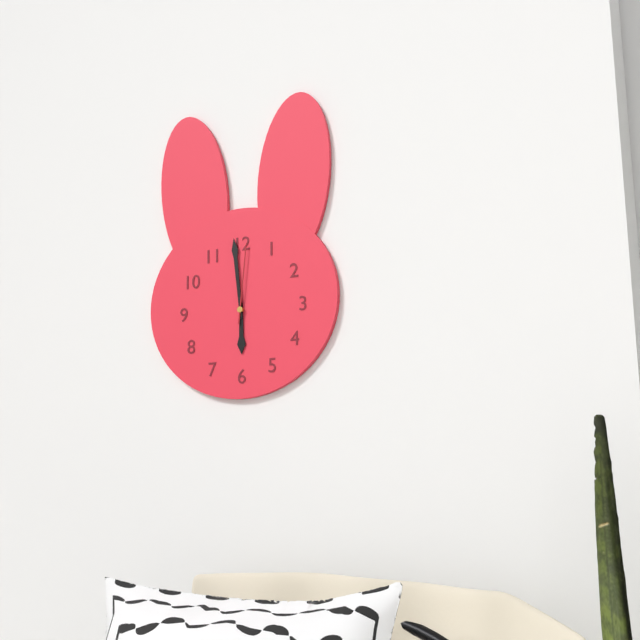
5:59:01
